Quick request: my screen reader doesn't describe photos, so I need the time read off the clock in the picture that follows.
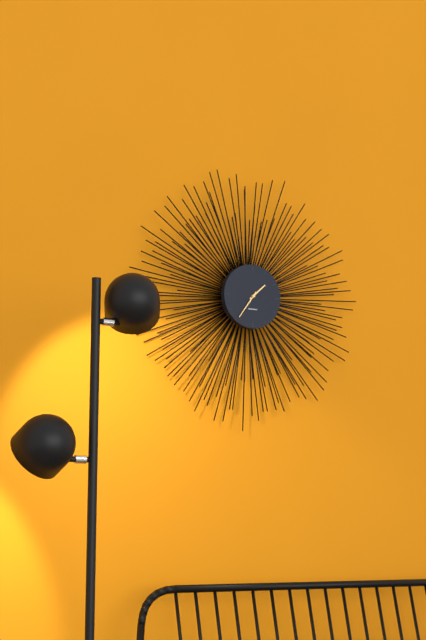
1:36
